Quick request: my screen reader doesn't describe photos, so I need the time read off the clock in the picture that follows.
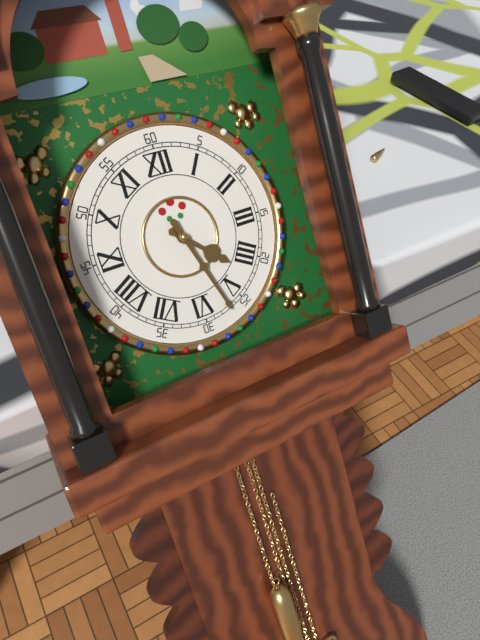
4:27
